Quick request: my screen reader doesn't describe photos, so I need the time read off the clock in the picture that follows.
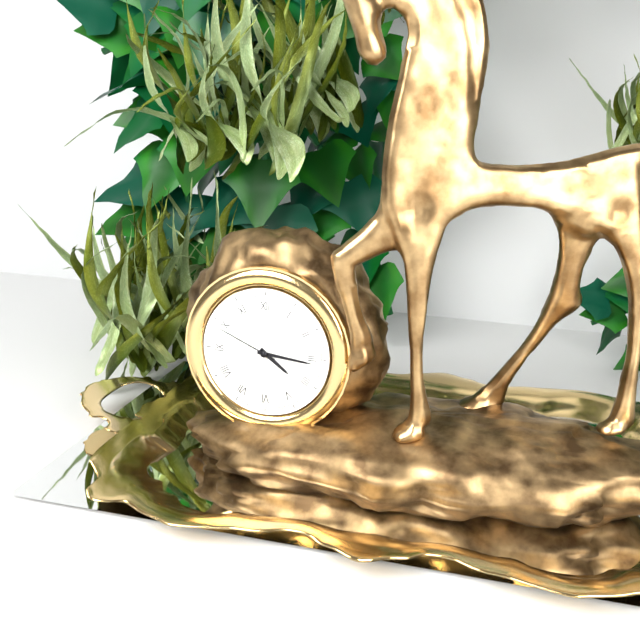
4:16:49
